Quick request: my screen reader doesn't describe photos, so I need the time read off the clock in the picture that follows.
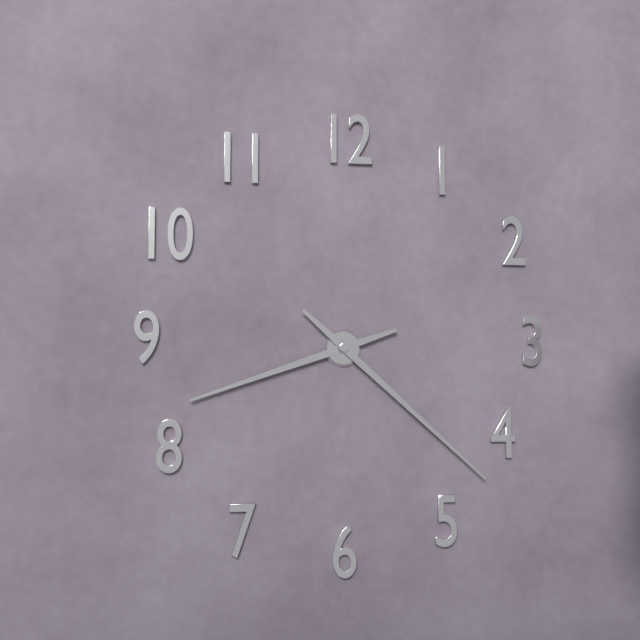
8:22
